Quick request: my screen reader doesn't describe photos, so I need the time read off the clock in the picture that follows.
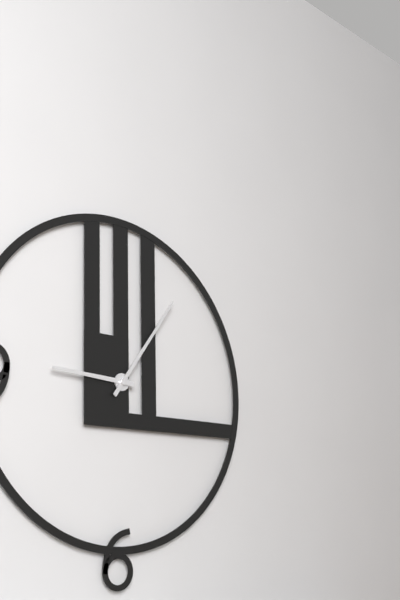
9:06
